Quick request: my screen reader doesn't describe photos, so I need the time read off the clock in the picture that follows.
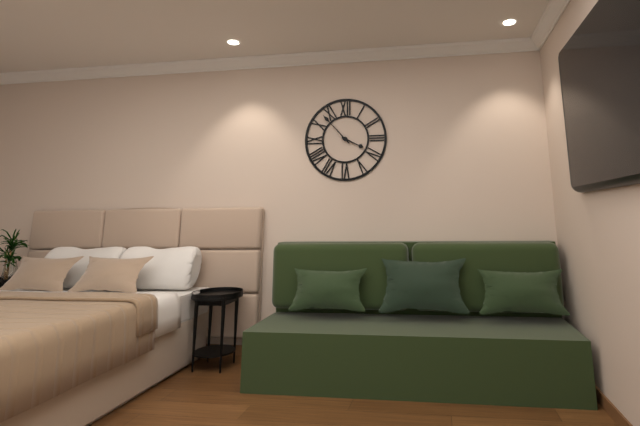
3:53
